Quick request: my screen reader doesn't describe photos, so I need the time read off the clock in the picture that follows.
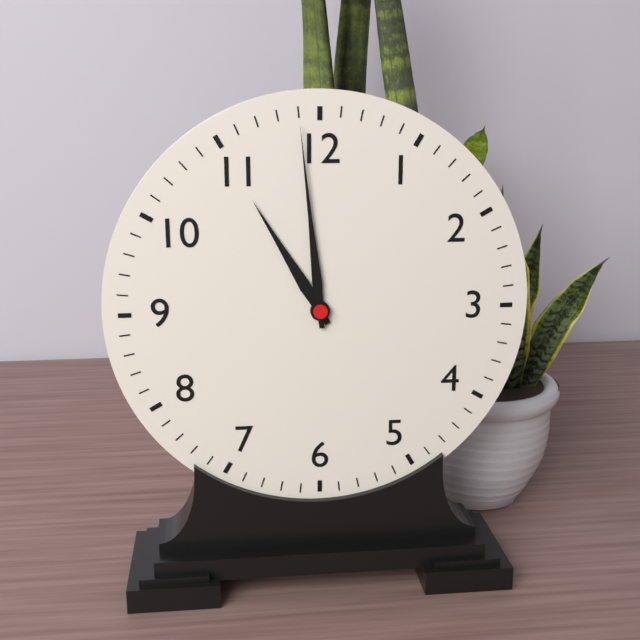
10:59
